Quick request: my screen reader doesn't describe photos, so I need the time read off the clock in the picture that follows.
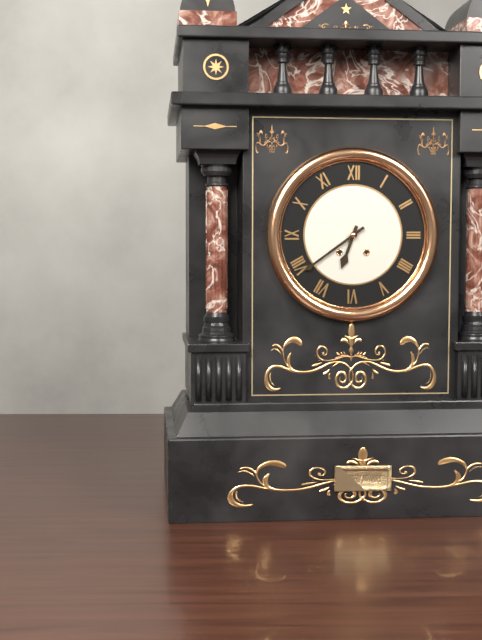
6:39
